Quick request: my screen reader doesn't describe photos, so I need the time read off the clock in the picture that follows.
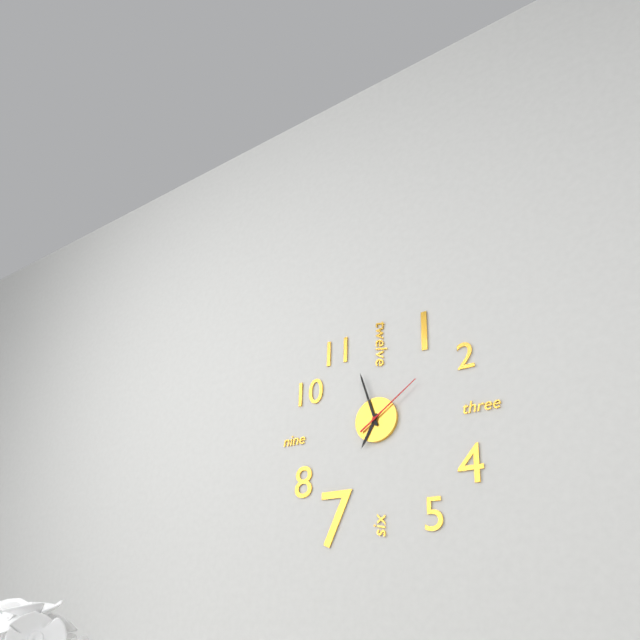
6:57:09
